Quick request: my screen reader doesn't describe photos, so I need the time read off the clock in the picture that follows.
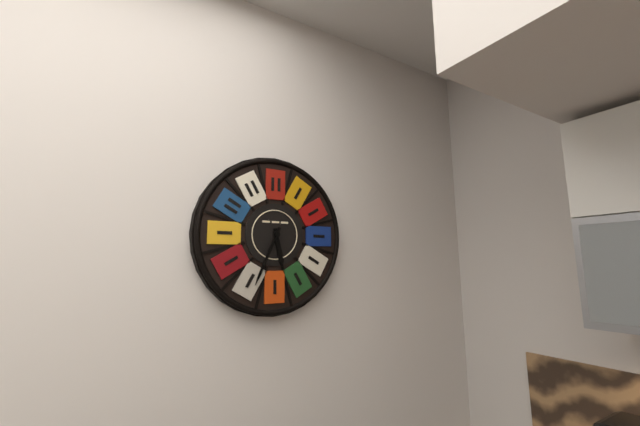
5:34
